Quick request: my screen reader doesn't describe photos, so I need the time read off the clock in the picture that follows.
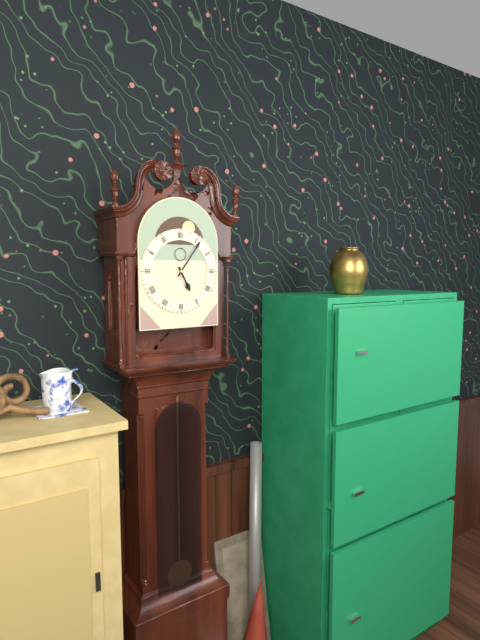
5:06
